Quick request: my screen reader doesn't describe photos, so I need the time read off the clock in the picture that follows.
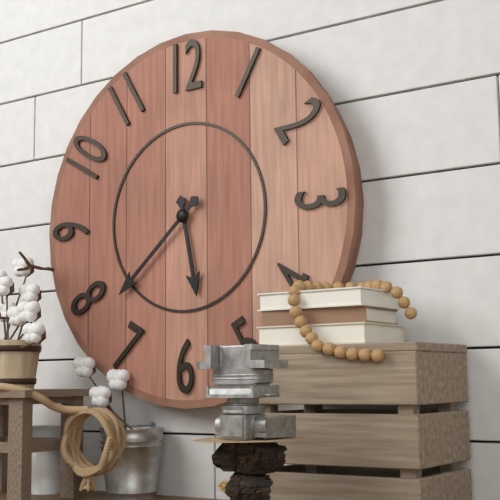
5:38
